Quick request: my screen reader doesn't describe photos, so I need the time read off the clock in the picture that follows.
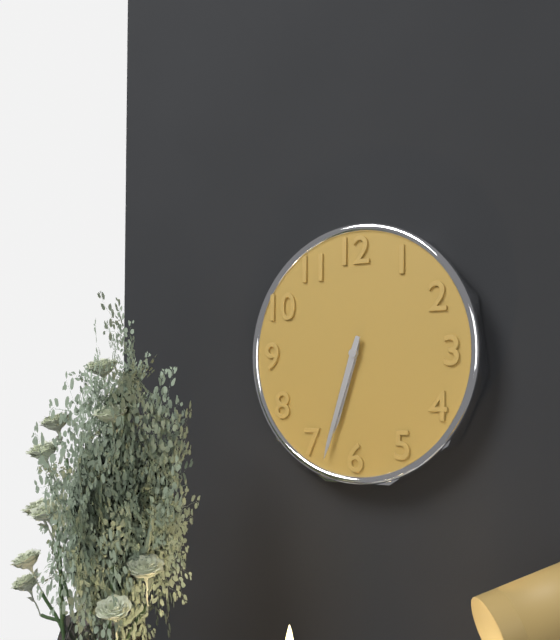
6:33
